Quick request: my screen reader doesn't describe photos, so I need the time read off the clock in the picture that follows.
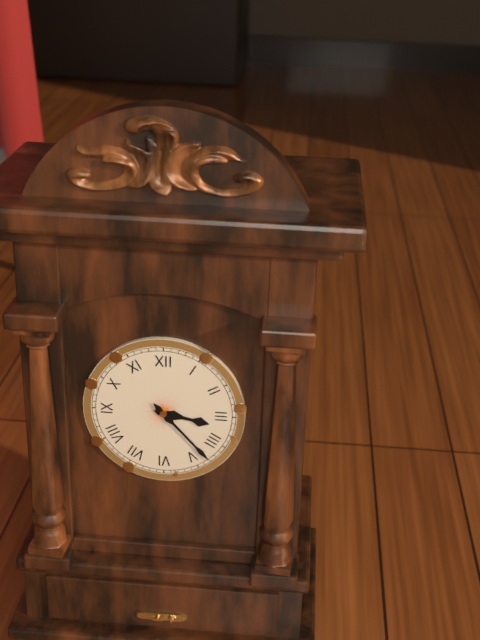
3:23
